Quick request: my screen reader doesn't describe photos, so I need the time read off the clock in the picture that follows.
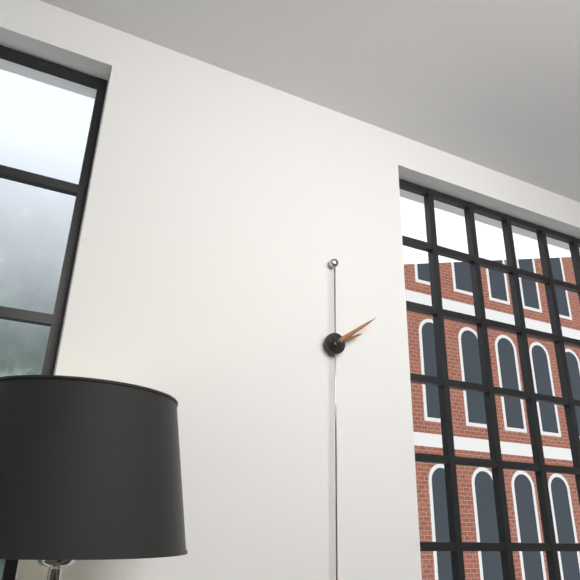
2:09
